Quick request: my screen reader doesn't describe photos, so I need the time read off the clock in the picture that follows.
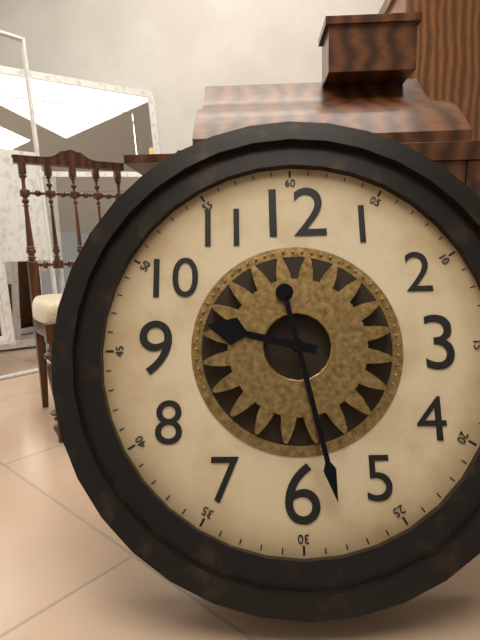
9:28
